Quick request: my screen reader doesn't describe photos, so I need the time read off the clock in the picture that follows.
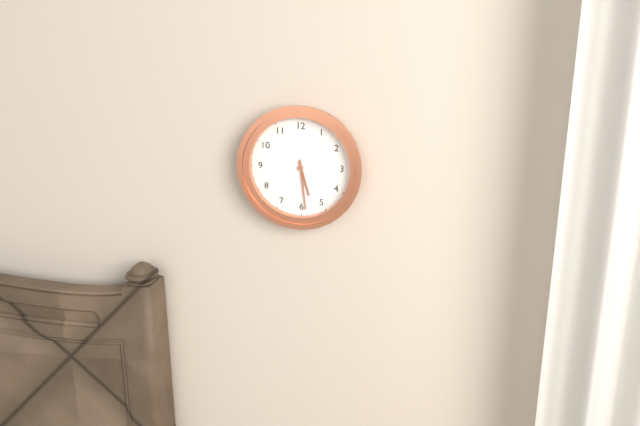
5:29
